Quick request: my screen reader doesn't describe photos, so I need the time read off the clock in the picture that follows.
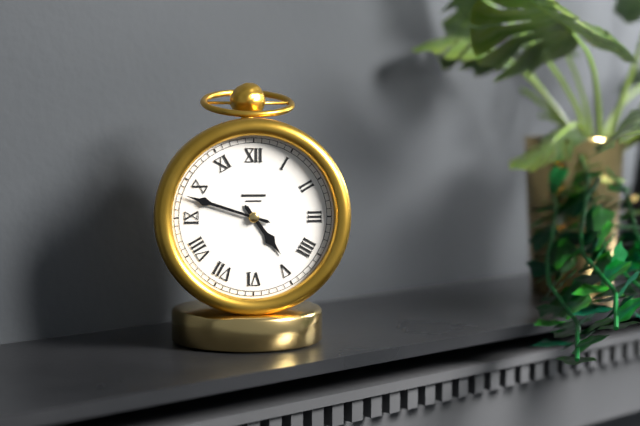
4:48
